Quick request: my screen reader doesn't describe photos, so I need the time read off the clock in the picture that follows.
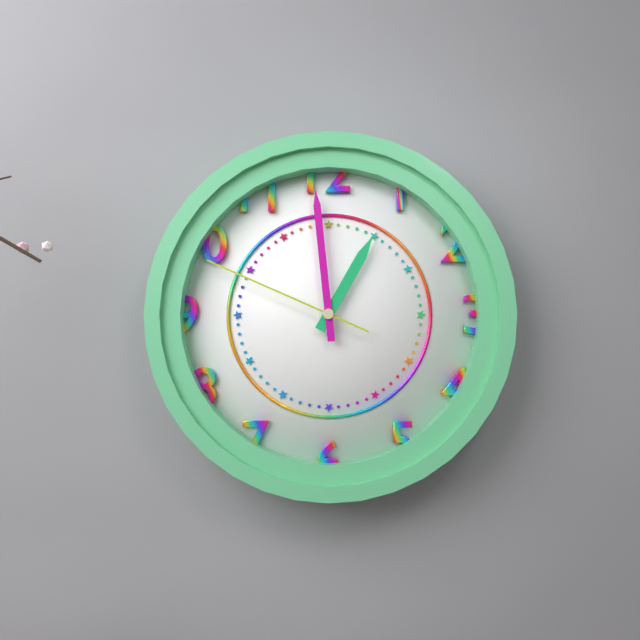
12:59:49
